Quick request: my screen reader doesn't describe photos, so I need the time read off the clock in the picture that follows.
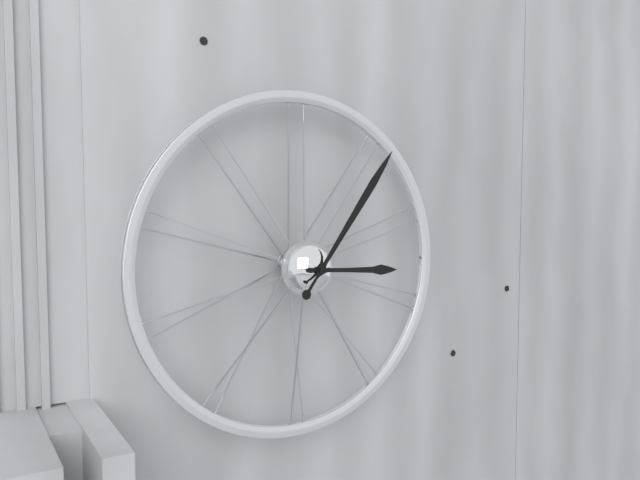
3:06
